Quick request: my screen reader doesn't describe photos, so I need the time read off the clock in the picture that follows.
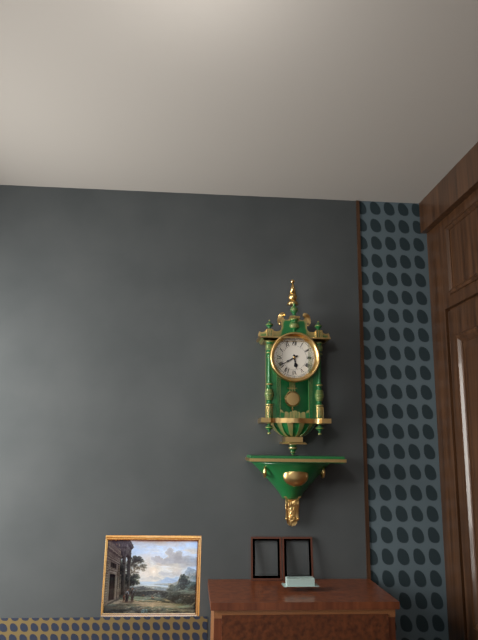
5:40
